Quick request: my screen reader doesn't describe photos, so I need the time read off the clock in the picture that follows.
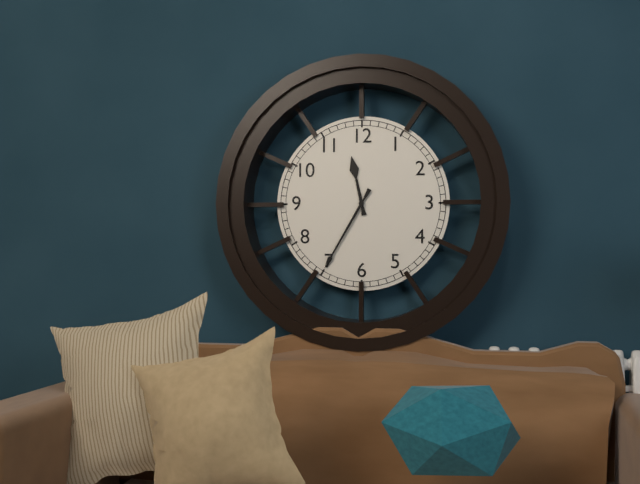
11:35
